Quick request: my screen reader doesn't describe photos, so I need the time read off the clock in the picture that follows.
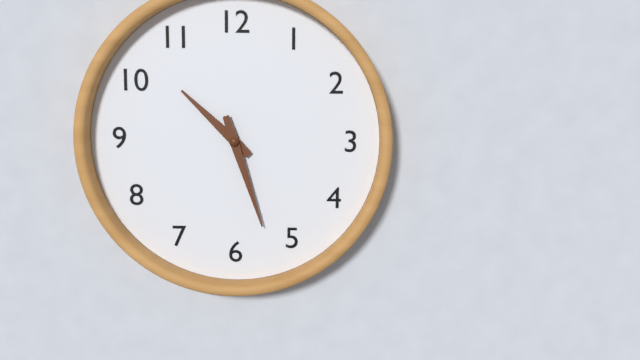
10:27
